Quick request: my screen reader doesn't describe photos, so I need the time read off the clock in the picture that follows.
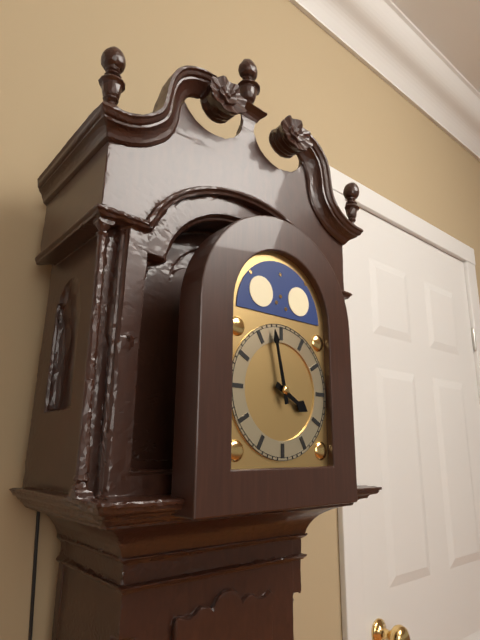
3:58
